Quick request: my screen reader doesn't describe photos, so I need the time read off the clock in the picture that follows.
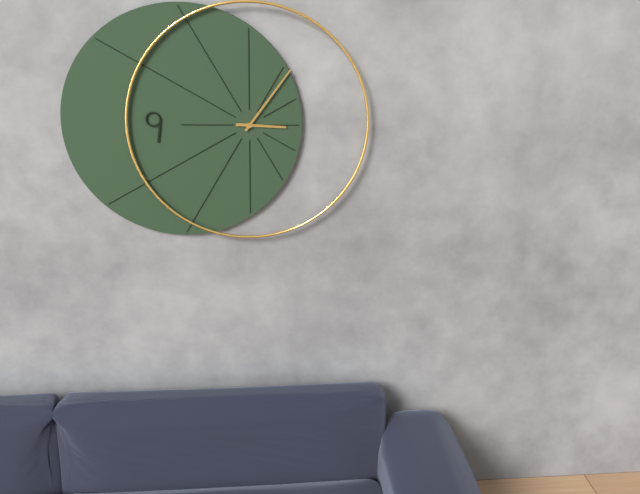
3:06
